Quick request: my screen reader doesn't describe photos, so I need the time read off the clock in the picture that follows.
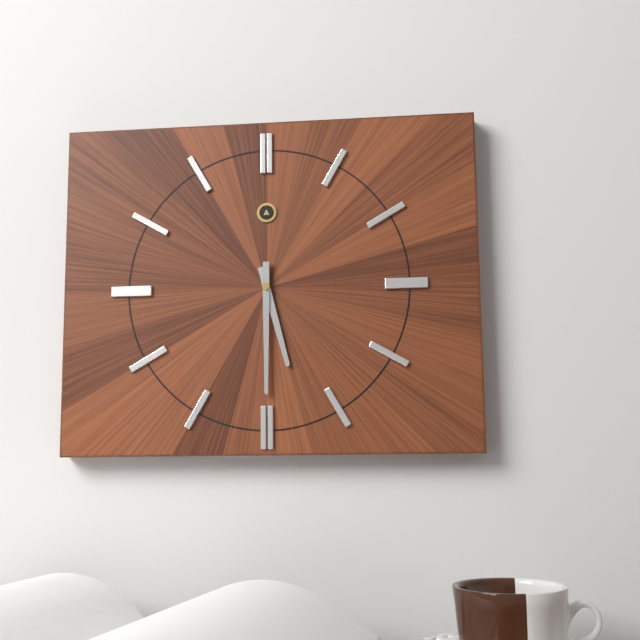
5:30
